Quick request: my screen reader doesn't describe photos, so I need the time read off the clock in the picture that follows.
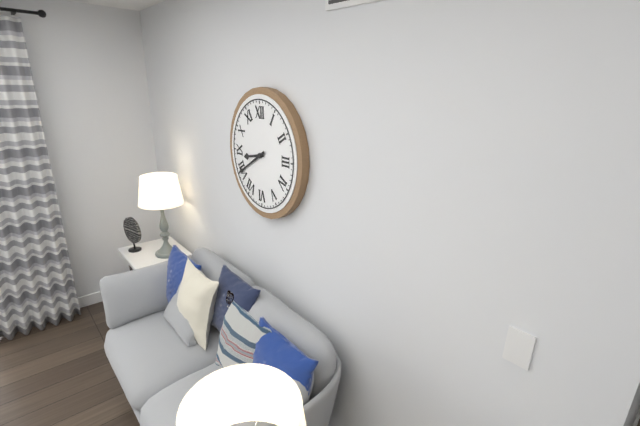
8:40
